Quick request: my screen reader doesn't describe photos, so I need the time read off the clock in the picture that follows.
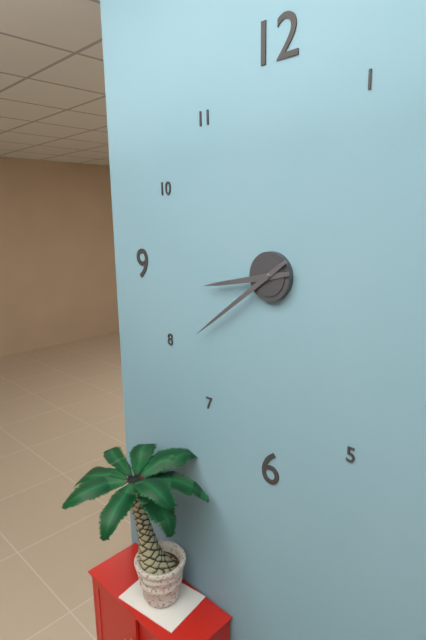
8:39
